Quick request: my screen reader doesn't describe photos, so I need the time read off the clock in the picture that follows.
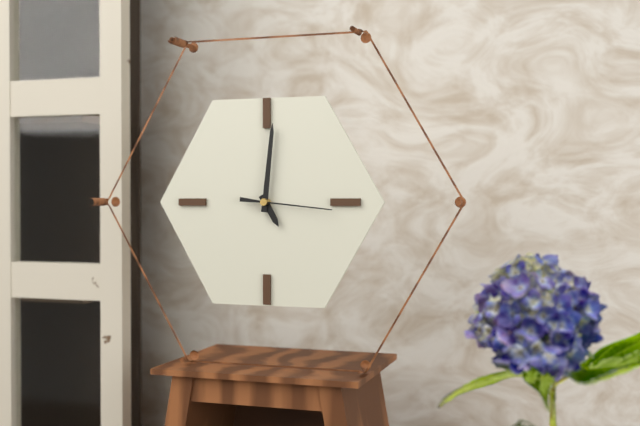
5:01:16
